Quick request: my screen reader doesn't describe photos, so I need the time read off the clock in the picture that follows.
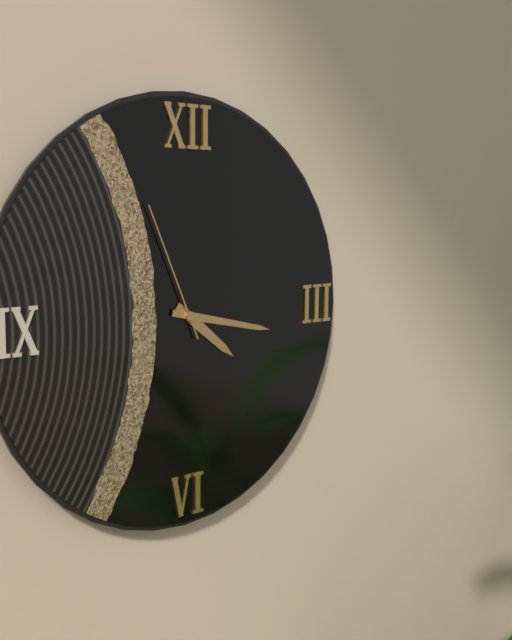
4:17:56
